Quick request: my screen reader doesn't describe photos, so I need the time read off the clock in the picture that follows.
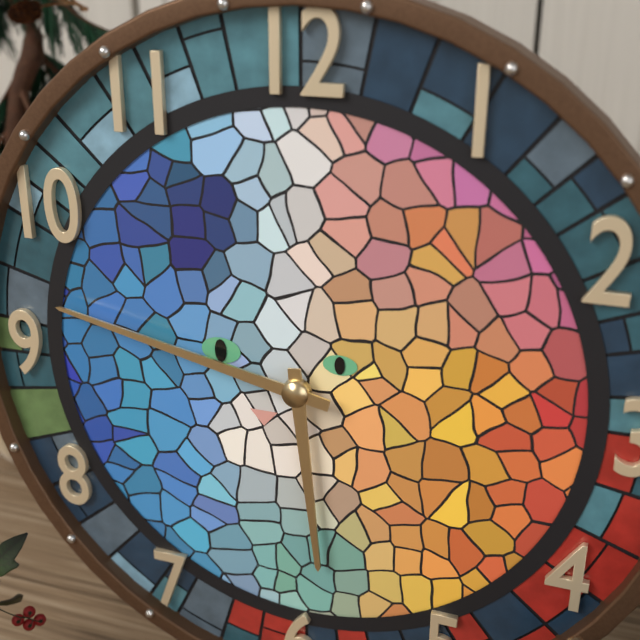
5:47
